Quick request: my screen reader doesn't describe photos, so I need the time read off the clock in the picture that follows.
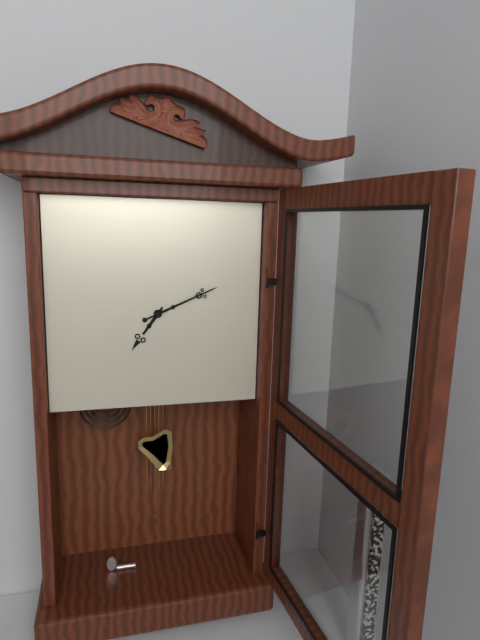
7:11
